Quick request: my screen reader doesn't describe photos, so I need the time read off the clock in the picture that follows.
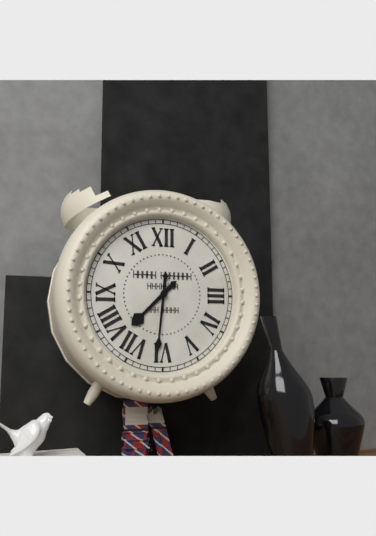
7:31
